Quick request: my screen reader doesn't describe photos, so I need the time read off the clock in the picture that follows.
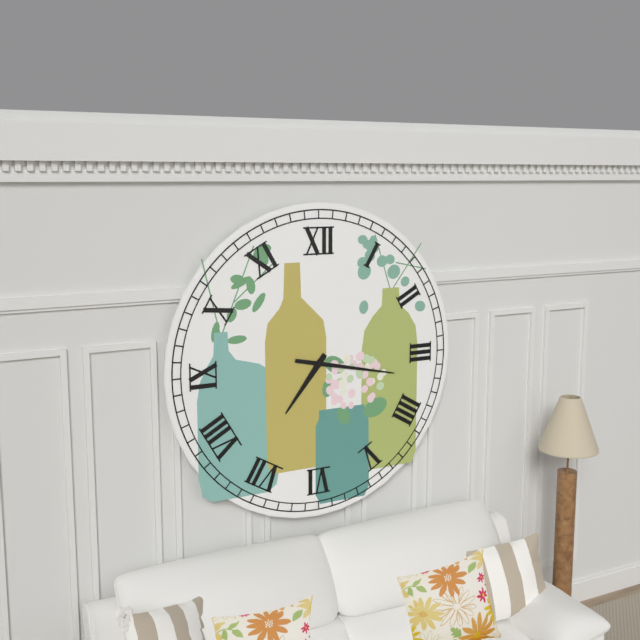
7:17
